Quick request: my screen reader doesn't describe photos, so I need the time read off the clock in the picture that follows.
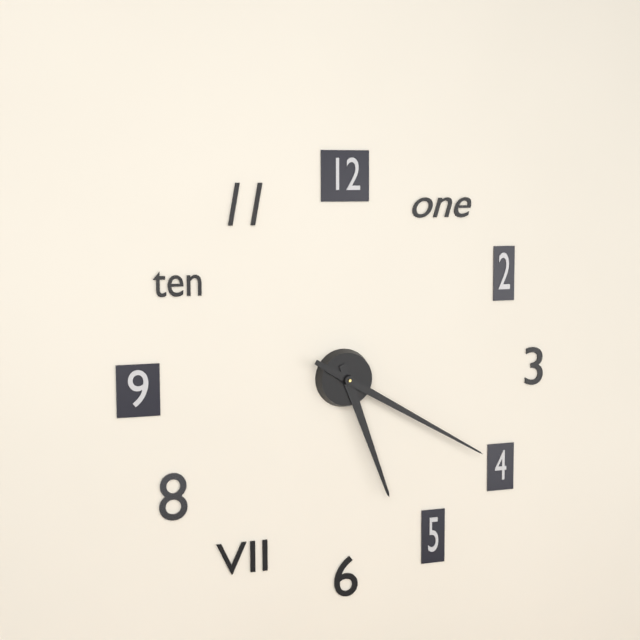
5:20
